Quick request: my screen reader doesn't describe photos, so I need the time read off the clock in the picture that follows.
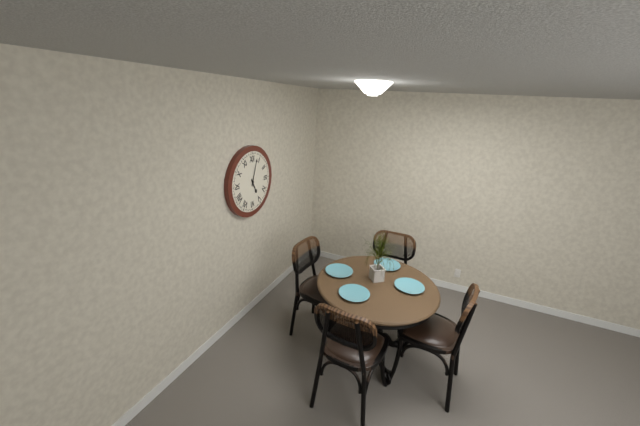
5:03
